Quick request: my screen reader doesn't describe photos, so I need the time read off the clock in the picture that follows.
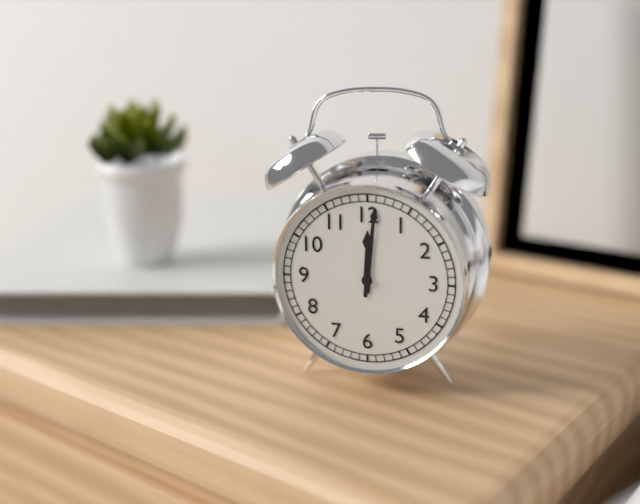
12:01
